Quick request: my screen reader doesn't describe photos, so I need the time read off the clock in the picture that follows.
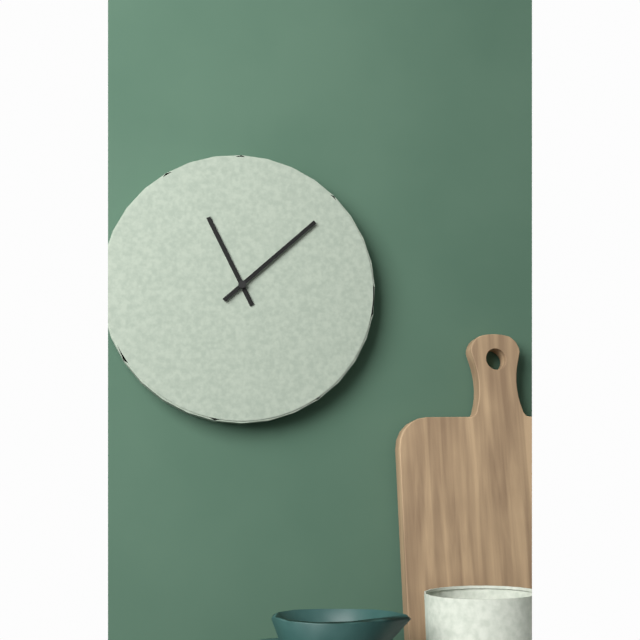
11:08
